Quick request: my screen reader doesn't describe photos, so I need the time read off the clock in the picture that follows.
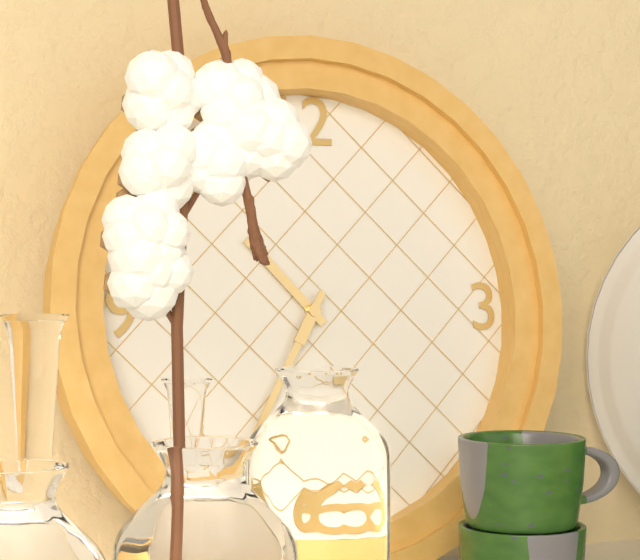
10:35
